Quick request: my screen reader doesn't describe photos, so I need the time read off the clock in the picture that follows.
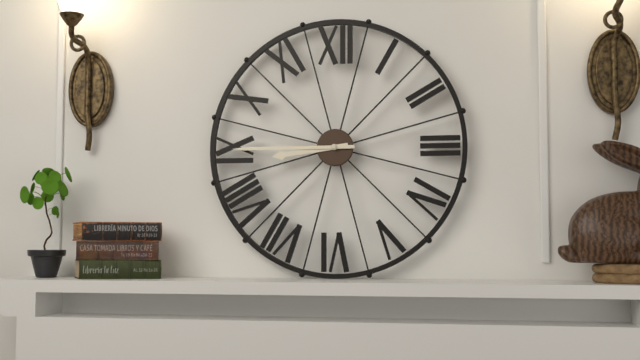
8:45
